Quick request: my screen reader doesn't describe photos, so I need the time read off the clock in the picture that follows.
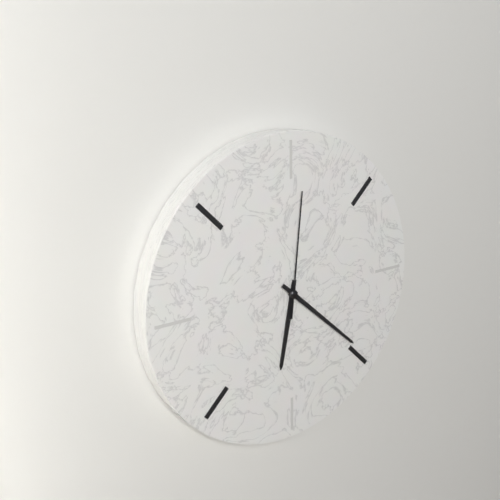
6:22:01
